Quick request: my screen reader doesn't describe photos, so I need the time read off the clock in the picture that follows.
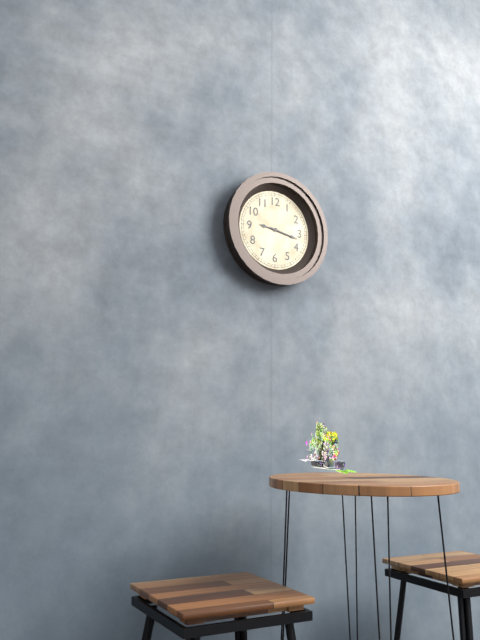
9:17
